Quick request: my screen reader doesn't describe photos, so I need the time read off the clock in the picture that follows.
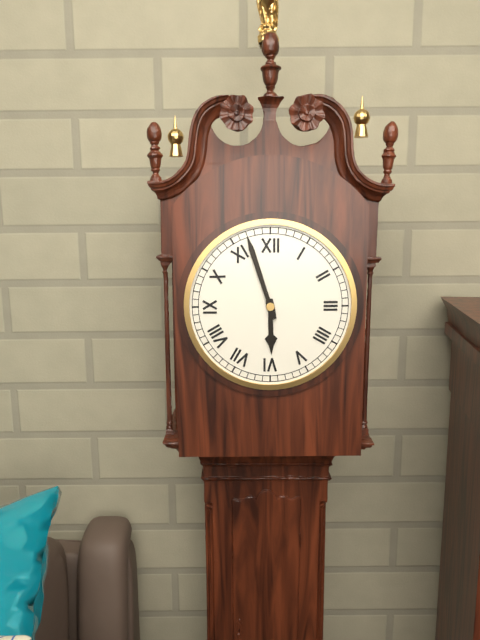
5:57
